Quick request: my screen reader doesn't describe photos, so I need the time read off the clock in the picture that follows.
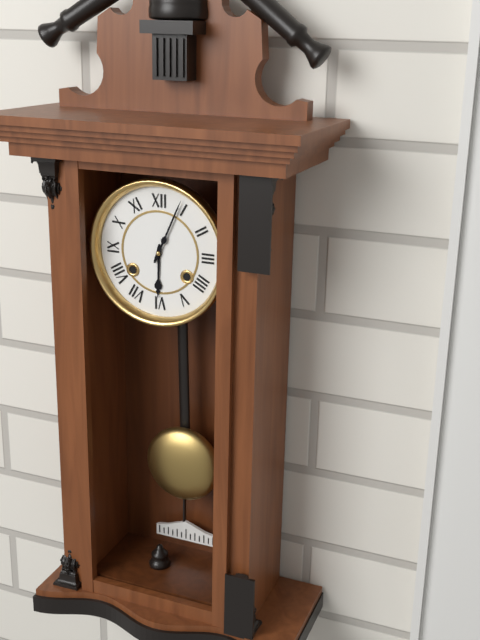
6:04
